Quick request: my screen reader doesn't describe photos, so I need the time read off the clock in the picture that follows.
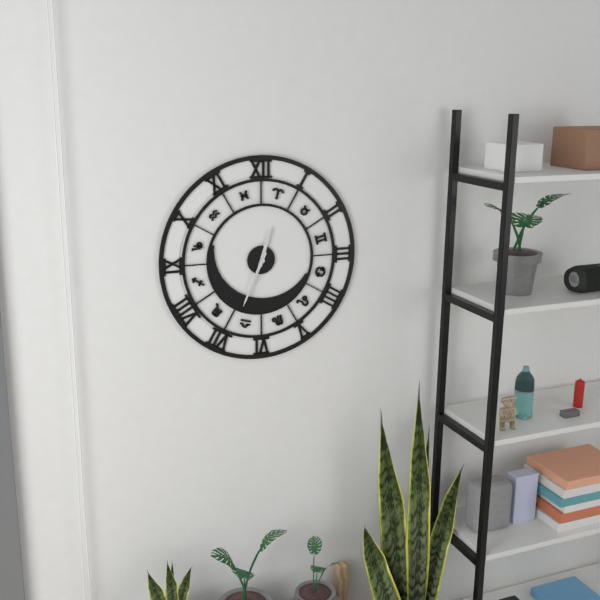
12:34
